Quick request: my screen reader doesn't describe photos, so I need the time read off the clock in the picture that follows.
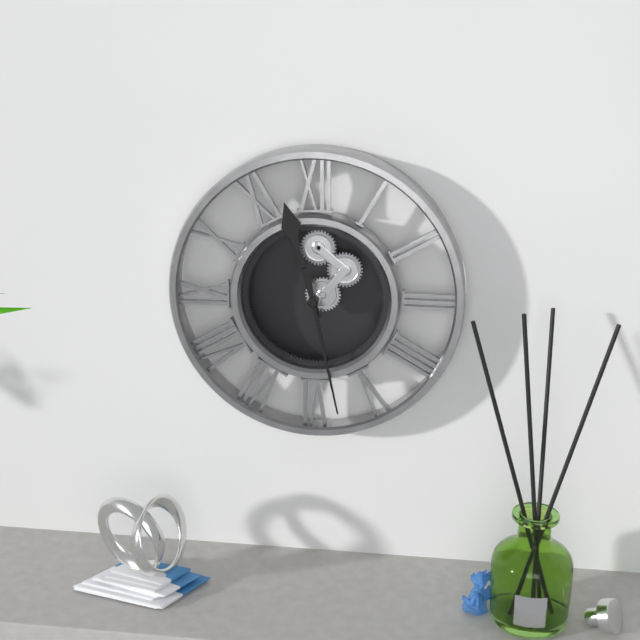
11:28
